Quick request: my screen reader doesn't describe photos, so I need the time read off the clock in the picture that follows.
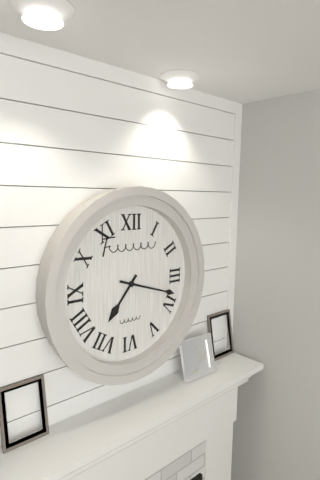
7:18
